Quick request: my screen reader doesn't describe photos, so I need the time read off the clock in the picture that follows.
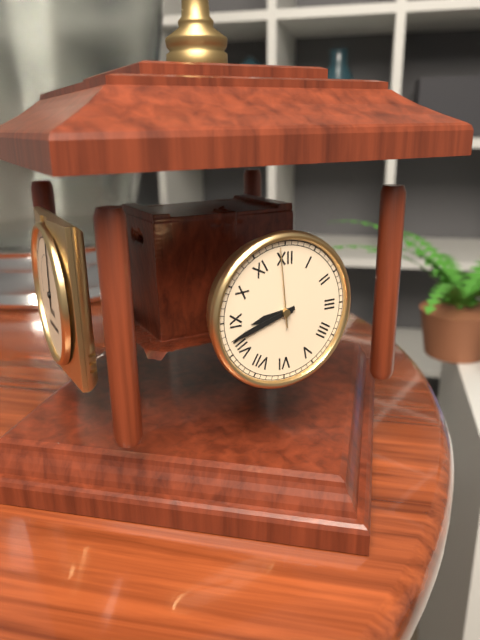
8:42:59
